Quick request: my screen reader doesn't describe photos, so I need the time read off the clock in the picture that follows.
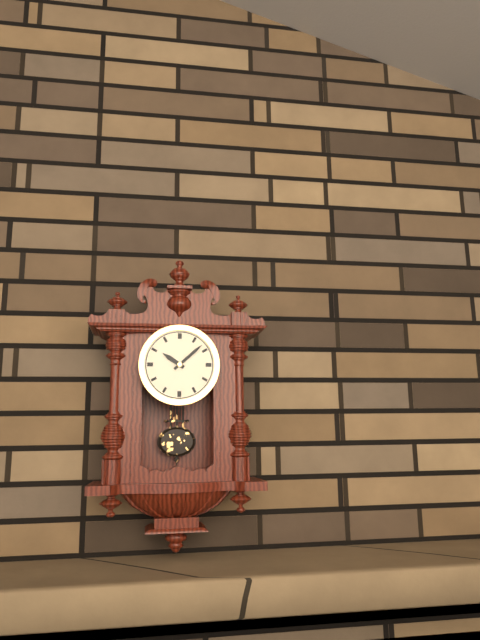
10:08
